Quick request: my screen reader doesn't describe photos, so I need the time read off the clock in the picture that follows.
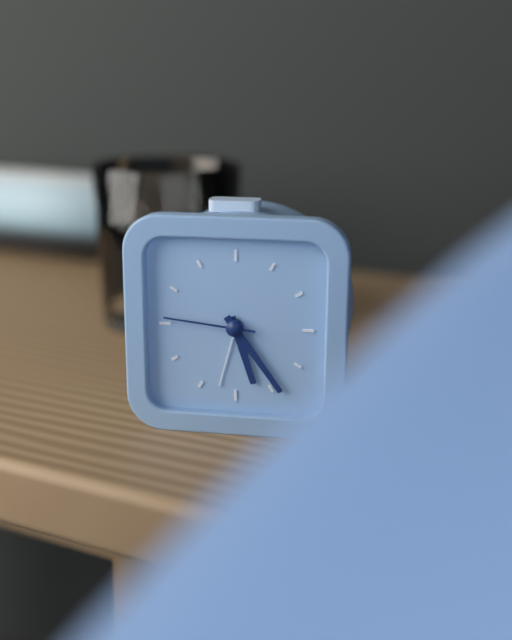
5:24:46
